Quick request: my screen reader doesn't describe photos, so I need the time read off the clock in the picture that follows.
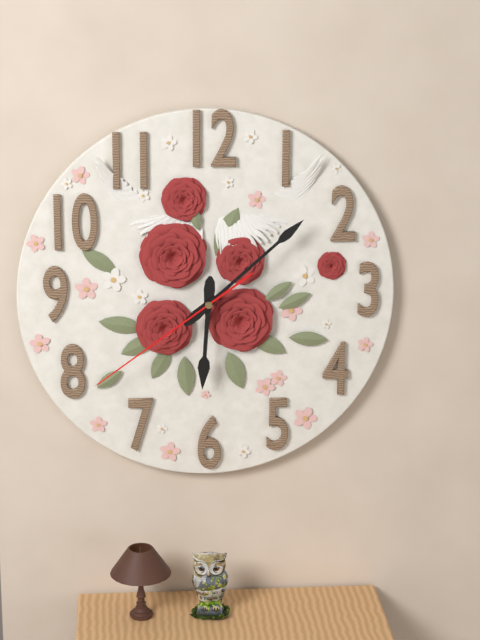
6:08:39
